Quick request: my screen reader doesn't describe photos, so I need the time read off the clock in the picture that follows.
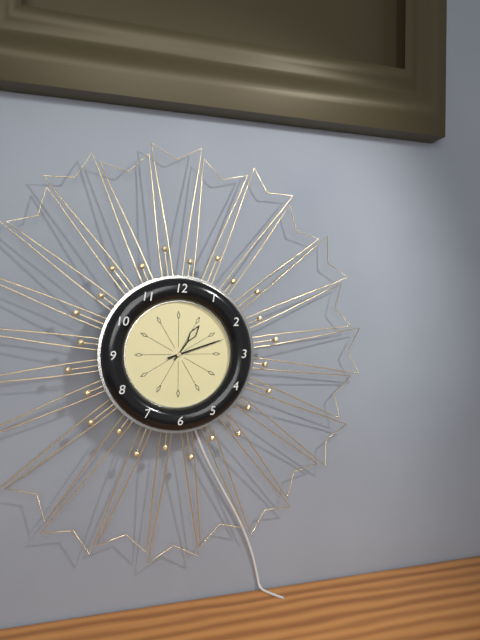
1:12
